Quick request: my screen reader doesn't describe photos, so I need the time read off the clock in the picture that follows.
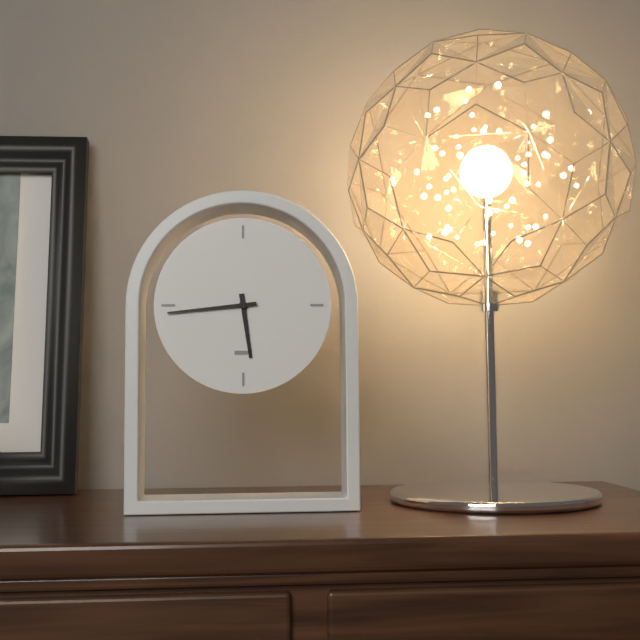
5:44
